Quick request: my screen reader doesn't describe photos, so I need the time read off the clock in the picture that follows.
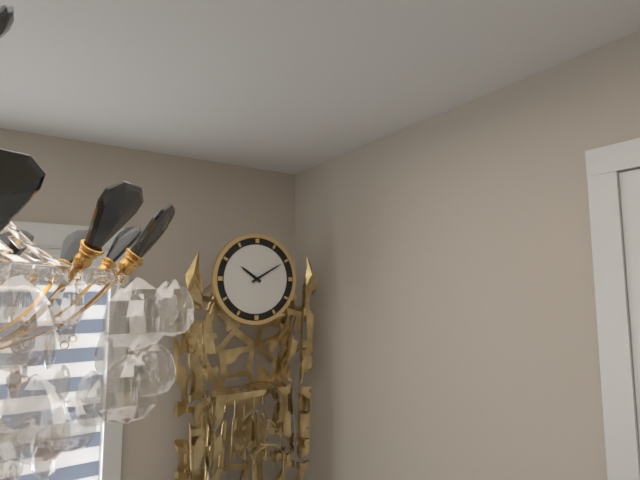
10:10
